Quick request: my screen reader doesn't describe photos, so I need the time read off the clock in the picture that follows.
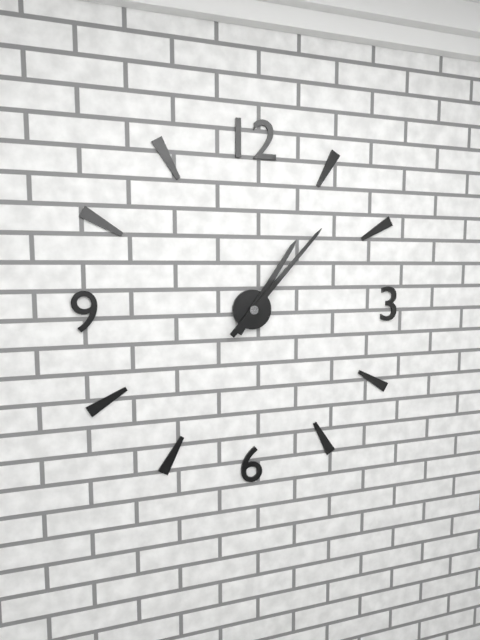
1:07
